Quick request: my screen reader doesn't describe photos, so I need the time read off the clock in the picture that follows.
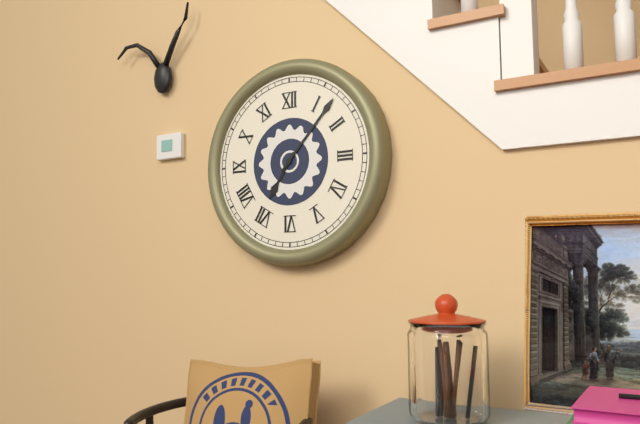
7:07
